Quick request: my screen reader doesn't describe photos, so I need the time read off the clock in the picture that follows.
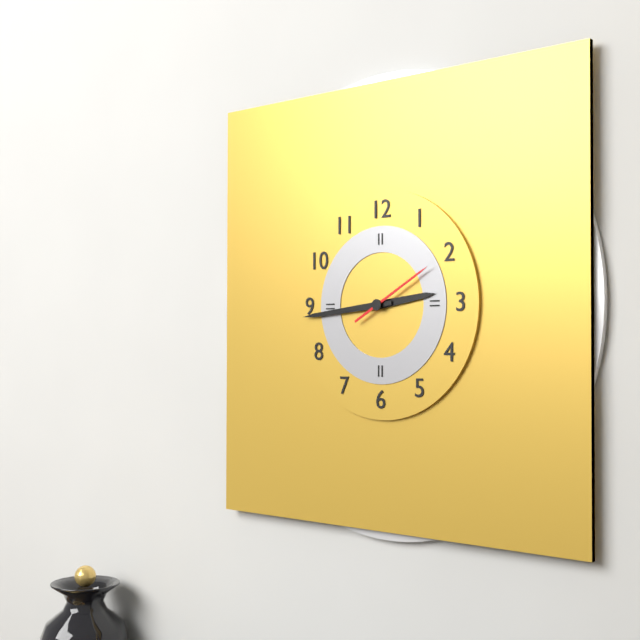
2:44:10
